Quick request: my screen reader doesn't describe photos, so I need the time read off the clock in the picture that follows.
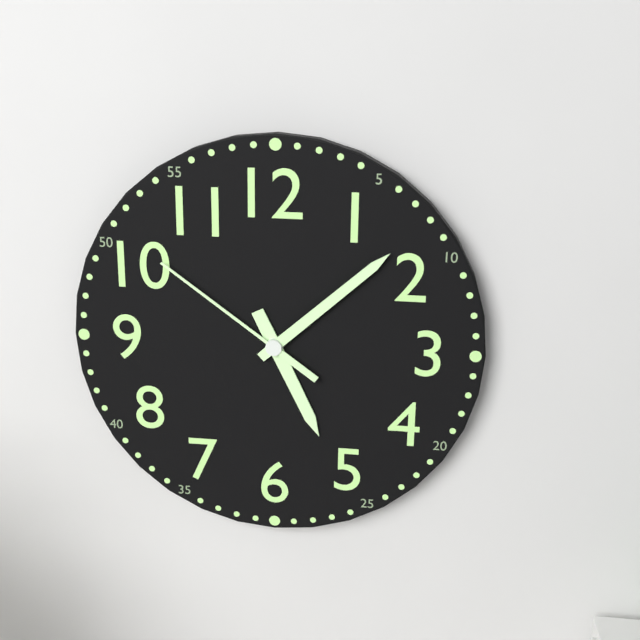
5:08:51
